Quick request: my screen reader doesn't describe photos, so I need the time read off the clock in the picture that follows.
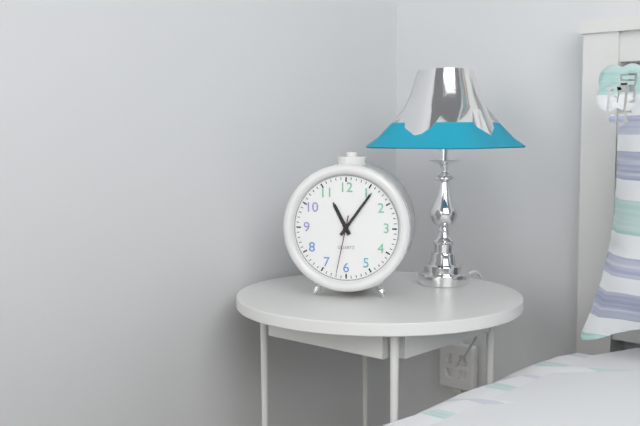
11:06:32
